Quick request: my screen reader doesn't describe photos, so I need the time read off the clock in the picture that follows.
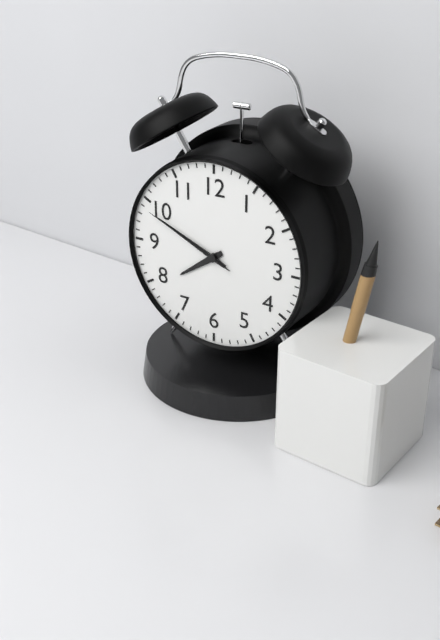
7:49:49
